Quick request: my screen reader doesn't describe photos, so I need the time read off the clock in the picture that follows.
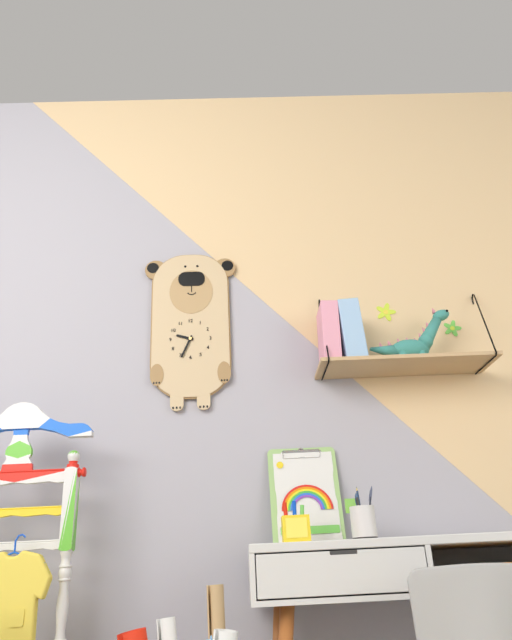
9:34
